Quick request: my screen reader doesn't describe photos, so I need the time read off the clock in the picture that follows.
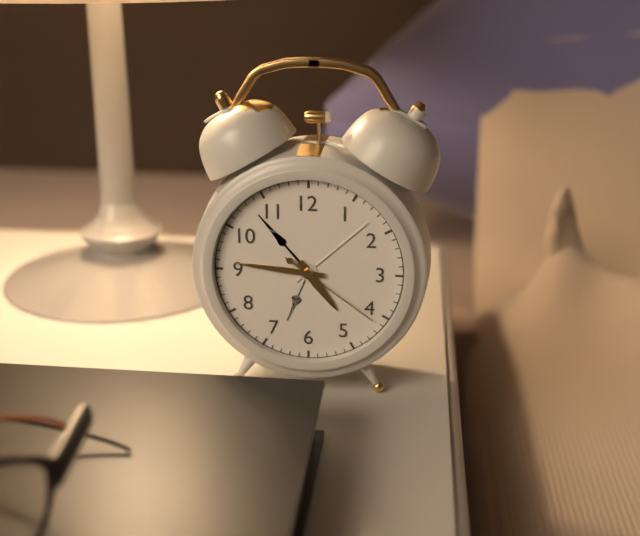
4:46:21
